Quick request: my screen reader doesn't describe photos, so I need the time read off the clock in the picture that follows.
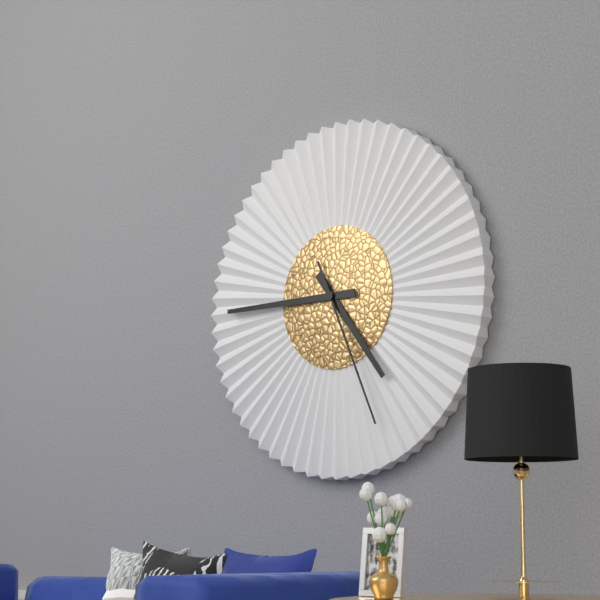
4:45:26
